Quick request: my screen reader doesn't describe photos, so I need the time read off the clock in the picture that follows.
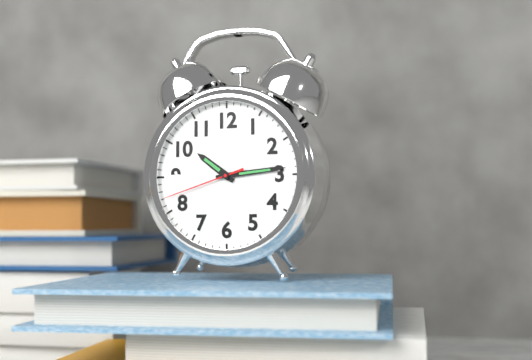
10:14:42
